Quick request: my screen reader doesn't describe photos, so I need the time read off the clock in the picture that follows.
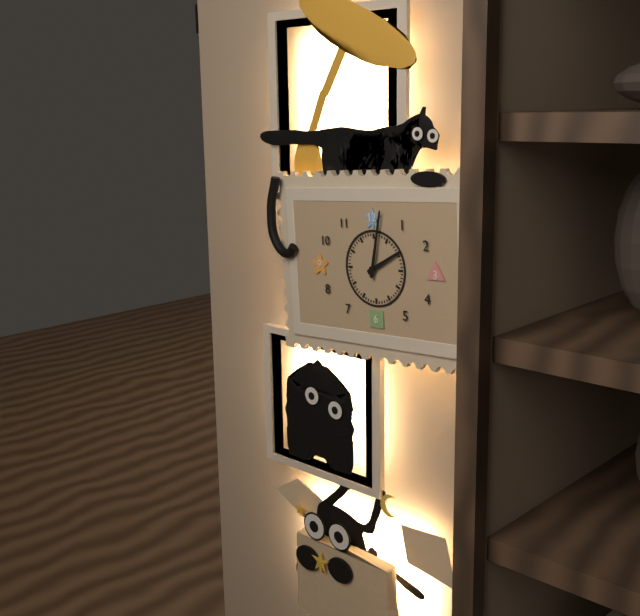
2:02
